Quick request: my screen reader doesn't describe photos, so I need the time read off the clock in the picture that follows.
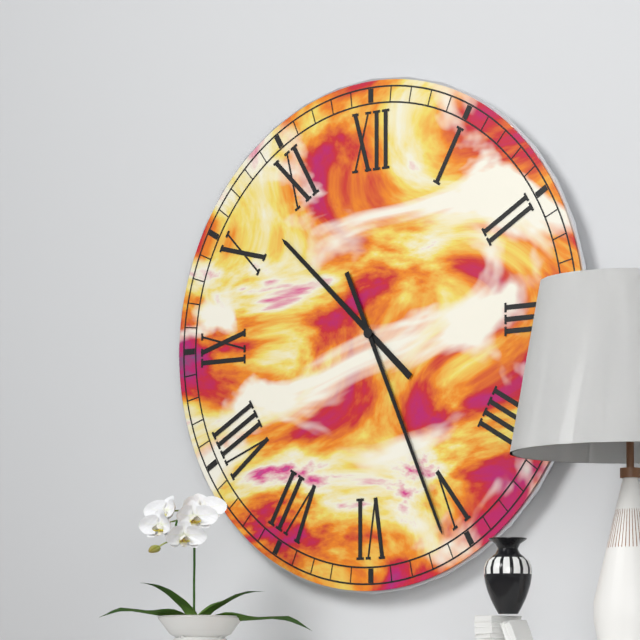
10:26
